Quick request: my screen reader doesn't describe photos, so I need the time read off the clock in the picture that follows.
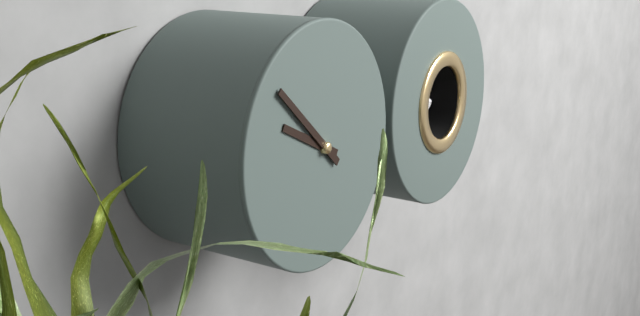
9:52
